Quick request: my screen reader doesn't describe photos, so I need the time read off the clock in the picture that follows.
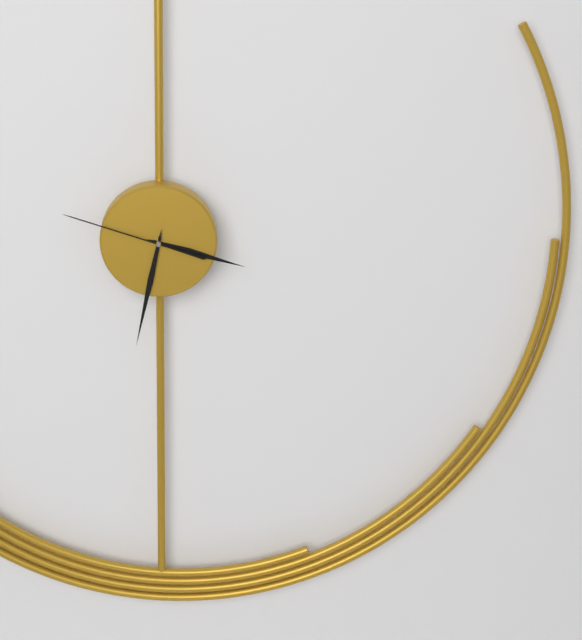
3:32:48
